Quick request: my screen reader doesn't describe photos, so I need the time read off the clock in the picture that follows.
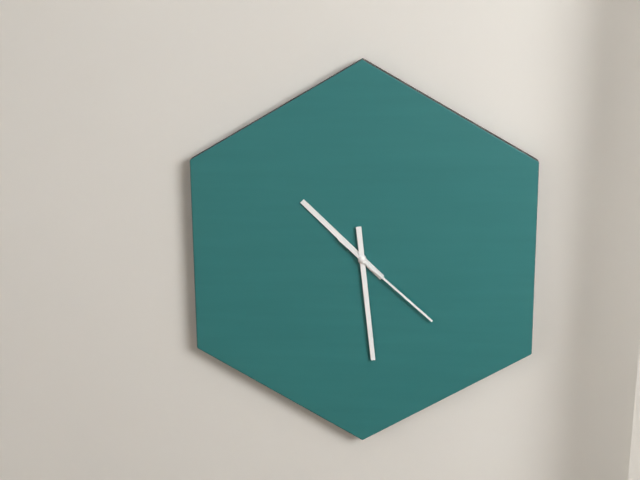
10:29:22
